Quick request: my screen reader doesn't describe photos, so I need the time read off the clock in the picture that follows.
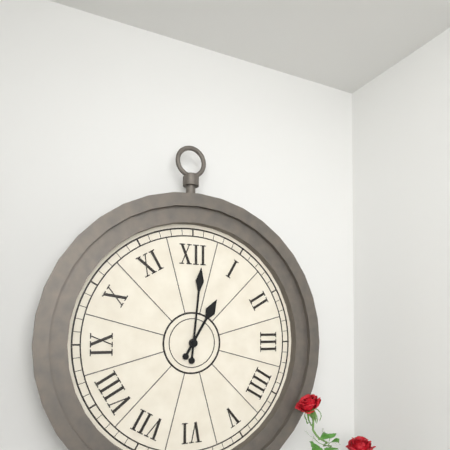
1:01
